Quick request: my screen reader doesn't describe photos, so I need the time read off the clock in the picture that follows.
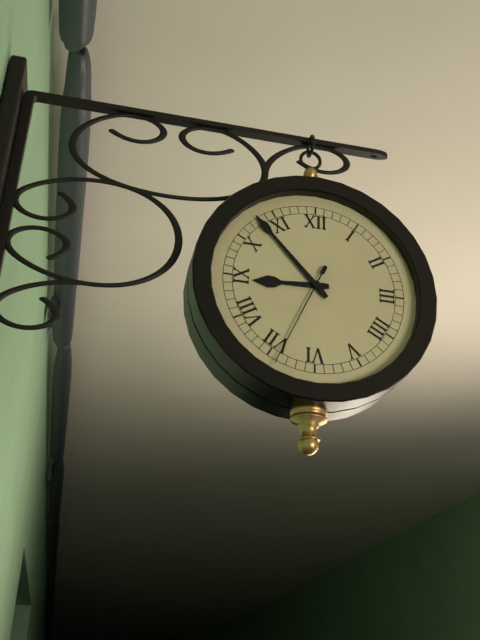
8:53:34
